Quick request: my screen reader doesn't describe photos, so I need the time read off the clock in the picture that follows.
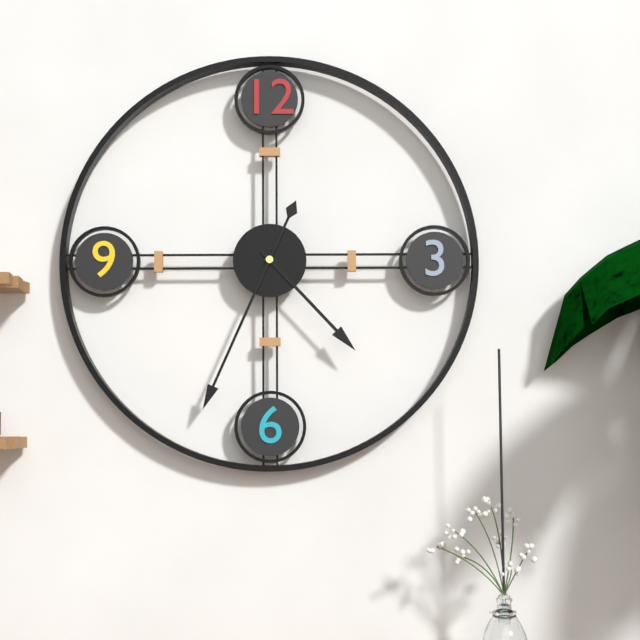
4:34
